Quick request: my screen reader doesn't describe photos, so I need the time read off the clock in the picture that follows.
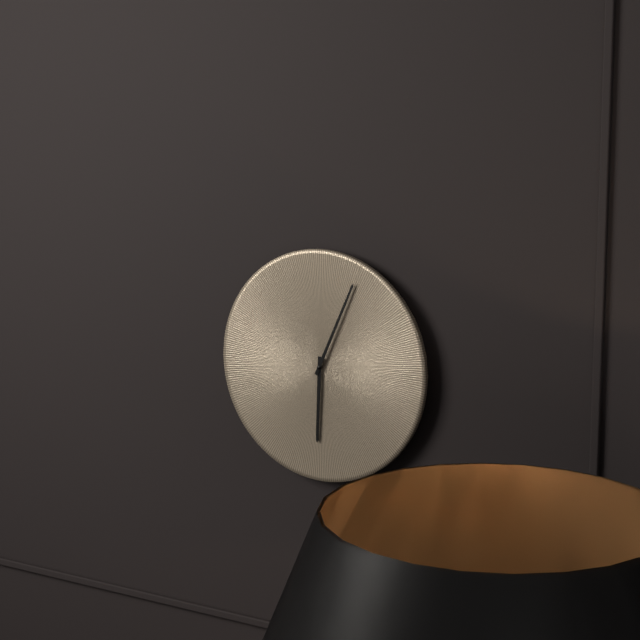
6:04
